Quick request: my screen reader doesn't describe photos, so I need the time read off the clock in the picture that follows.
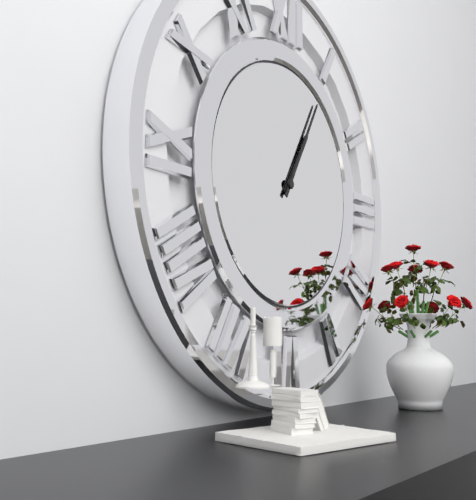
1:05
